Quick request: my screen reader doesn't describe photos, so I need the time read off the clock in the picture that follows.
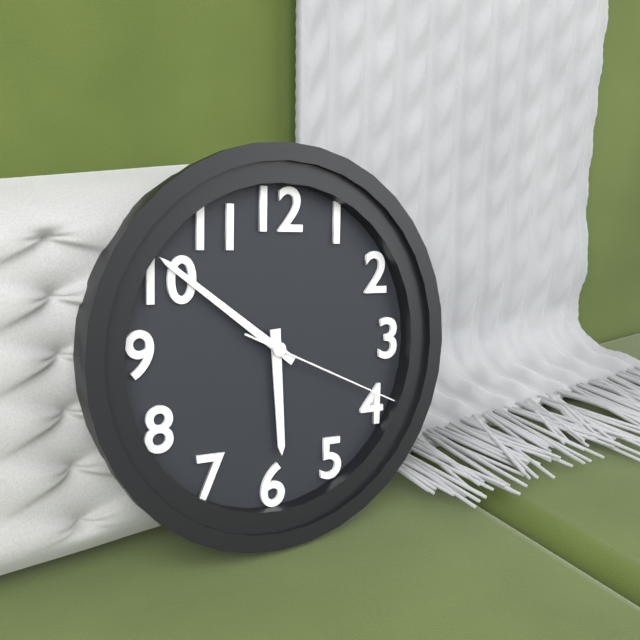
5:51:19
